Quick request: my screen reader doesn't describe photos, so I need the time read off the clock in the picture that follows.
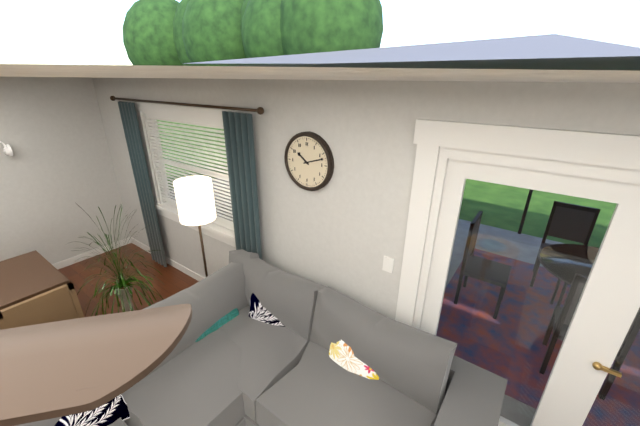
10:12
